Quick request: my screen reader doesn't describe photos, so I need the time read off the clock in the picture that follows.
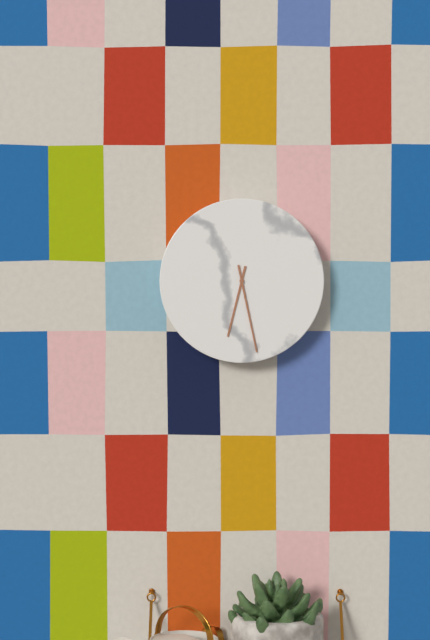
6:28
